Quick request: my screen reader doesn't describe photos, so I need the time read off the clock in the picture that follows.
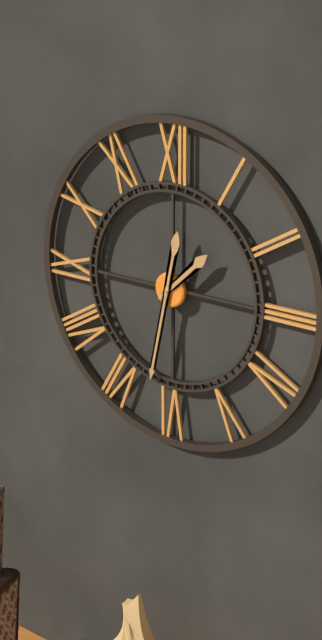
1:32
